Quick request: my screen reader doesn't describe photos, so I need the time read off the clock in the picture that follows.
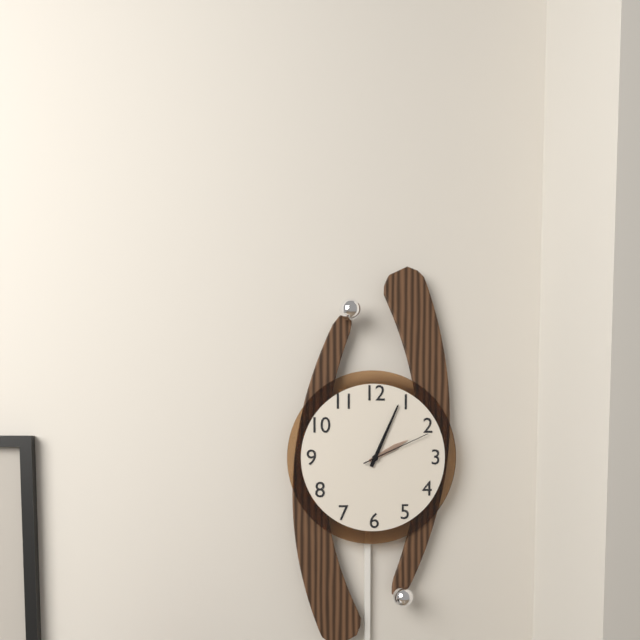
2:04:11
